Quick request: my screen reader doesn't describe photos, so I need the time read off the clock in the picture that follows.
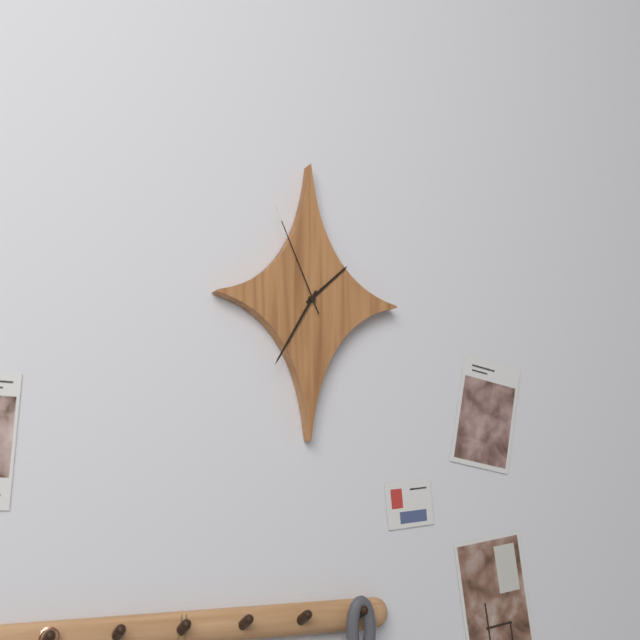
1:35:56
